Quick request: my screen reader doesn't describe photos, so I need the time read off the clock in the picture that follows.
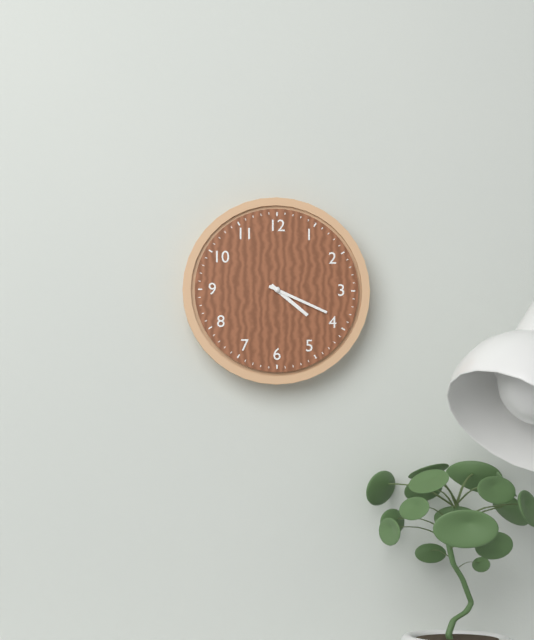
4:19
